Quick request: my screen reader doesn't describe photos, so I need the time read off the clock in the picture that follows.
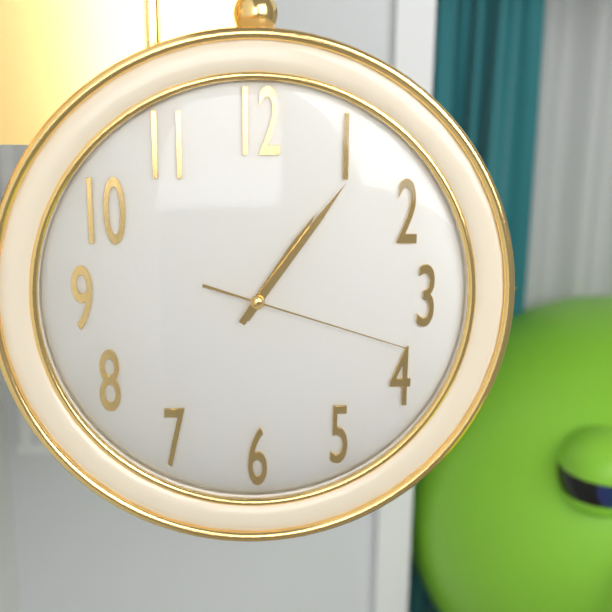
1:06:18
